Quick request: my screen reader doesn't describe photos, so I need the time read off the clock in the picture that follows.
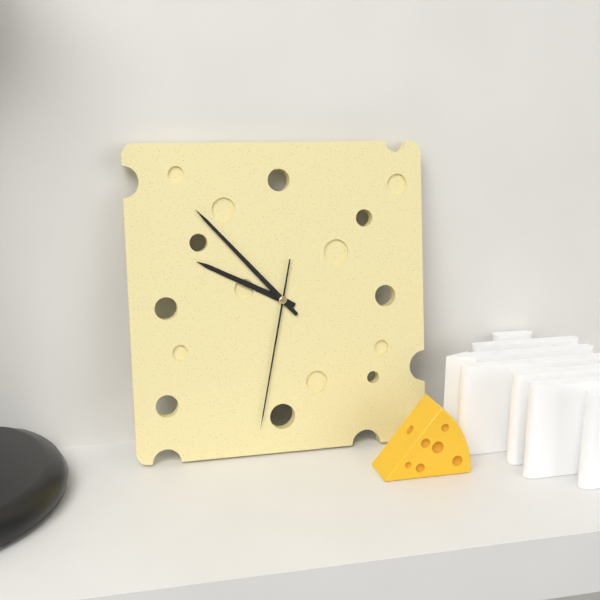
9:53:32
